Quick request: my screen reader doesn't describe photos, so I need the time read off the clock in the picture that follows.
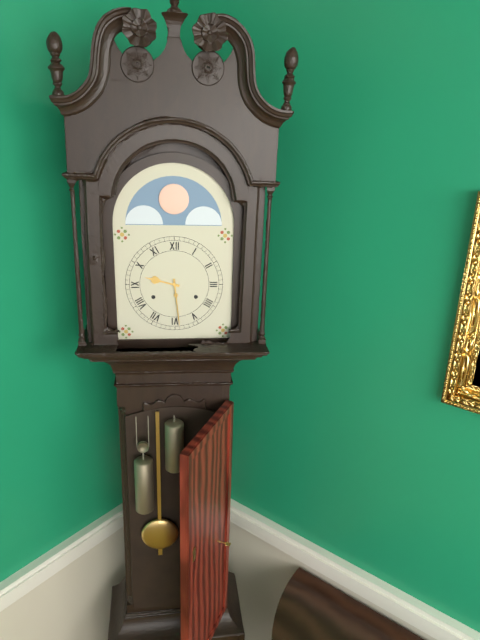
9:29
